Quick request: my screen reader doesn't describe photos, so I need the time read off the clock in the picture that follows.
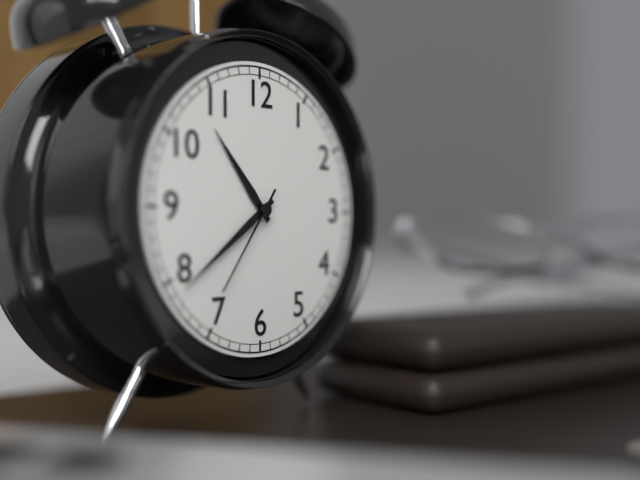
10:39:36
